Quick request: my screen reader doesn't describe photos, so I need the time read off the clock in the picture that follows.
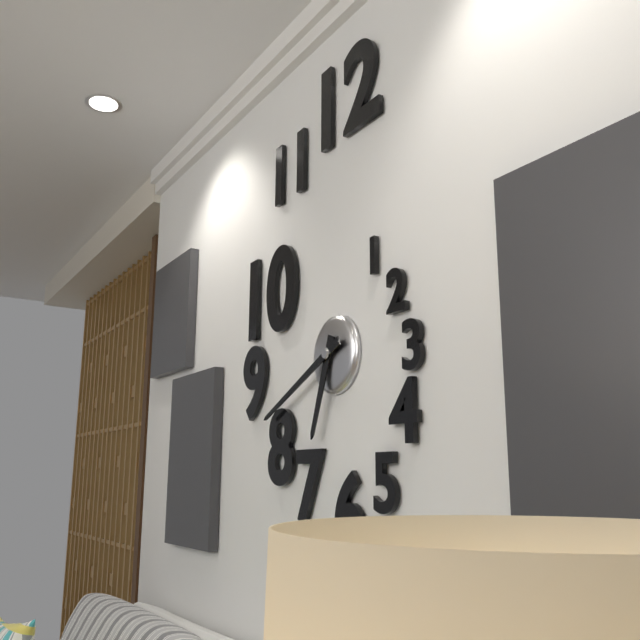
6:41
